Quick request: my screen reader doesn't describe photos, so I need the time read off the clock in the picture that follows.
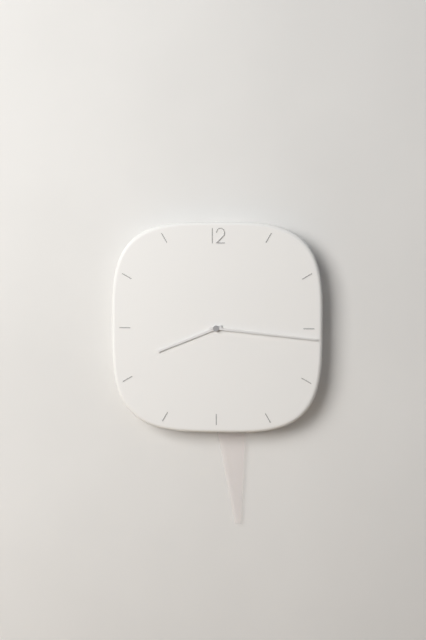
8:16
